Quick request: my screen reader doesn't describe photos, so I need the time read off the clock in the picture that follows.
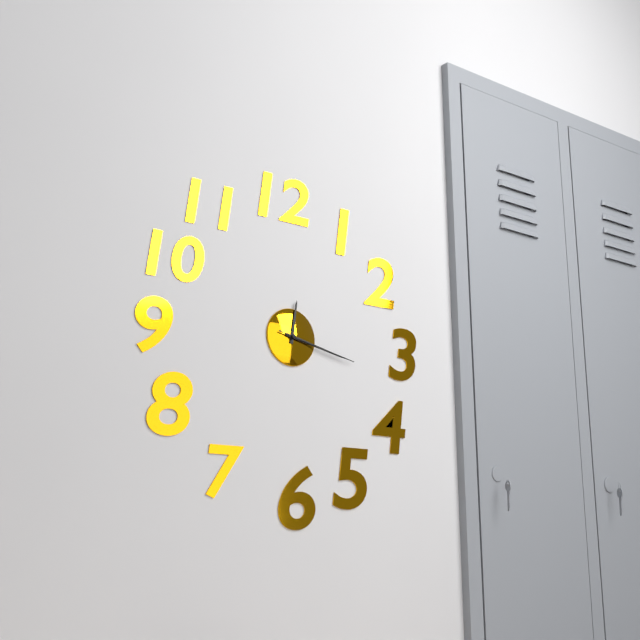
12:17:17
